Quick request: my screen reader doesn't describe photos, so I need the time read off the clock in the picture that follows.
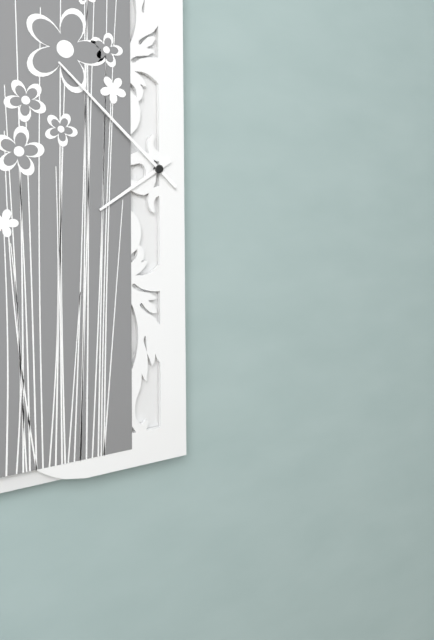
7:52
